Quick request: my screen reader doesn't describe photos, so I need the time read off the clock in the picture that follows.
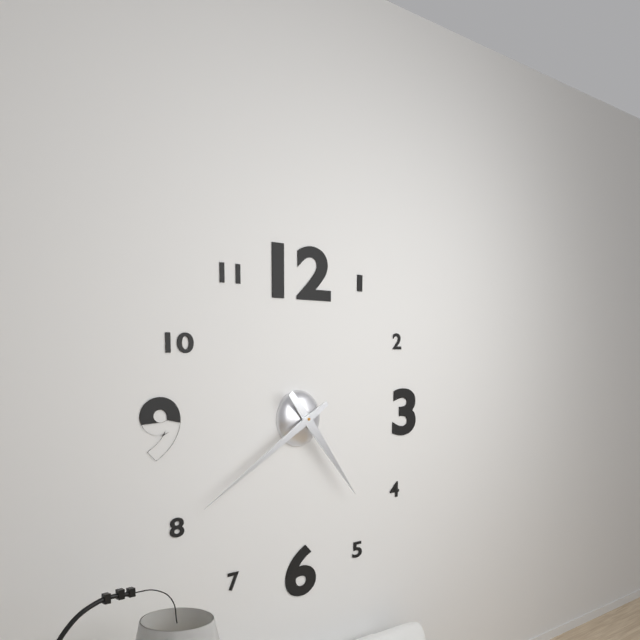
4:40
